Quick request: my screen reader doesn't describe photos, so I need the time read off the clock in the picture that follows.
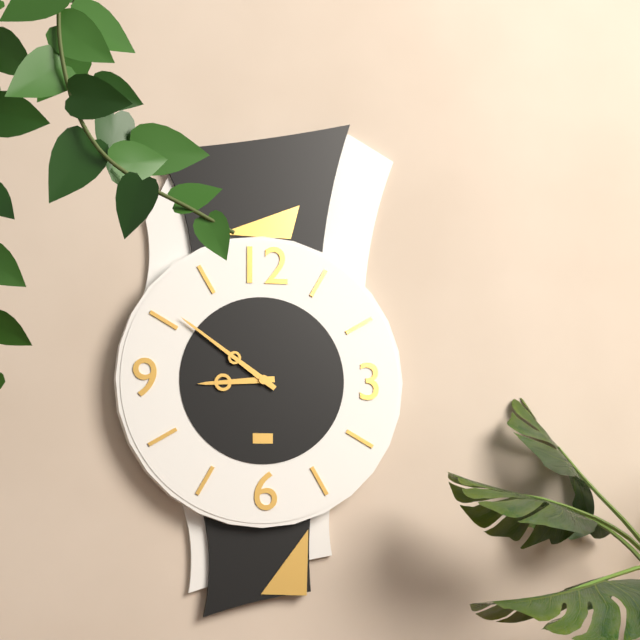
8:51
